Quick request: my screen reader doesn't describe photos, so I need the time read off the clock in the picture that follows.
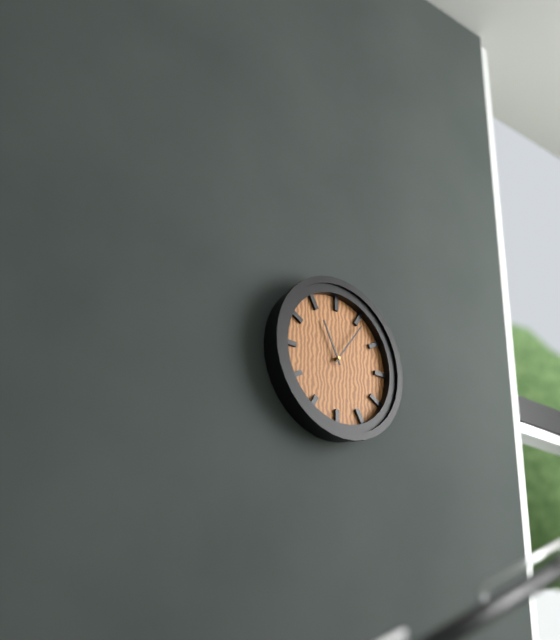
11:06
